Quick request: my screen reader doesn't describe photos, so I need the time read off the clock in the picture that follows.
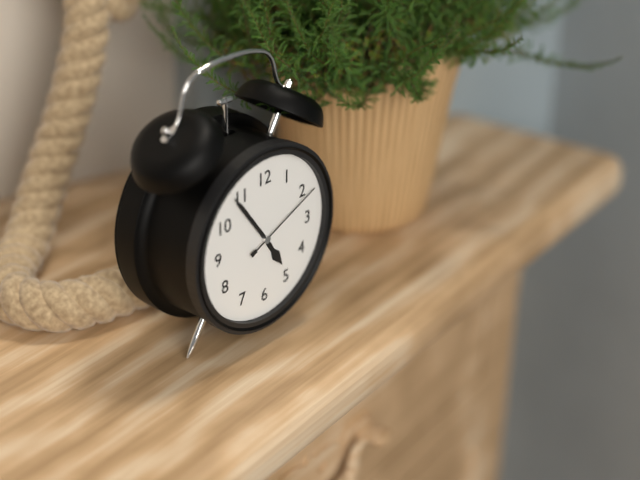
4:54:11
